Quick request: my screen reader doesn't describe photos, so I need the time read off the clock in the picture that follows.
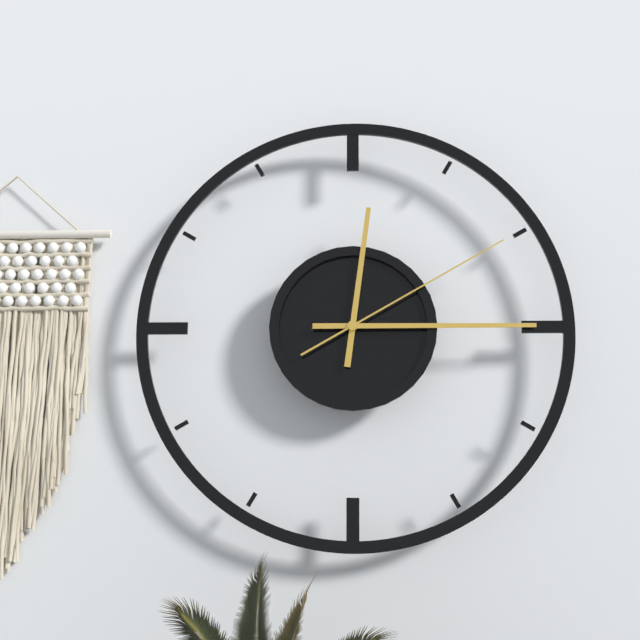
12:15:10
